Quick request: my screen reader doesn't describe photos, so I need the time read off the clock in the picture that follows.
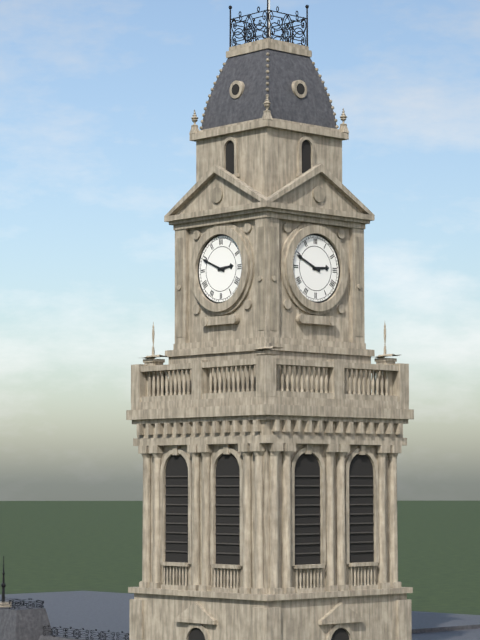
2:49
